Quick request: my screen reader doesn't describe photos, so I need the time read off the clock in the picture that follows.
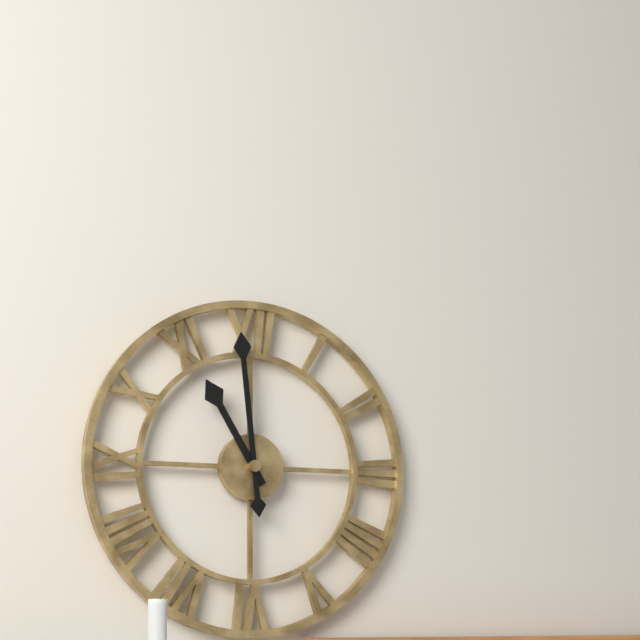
10:59
